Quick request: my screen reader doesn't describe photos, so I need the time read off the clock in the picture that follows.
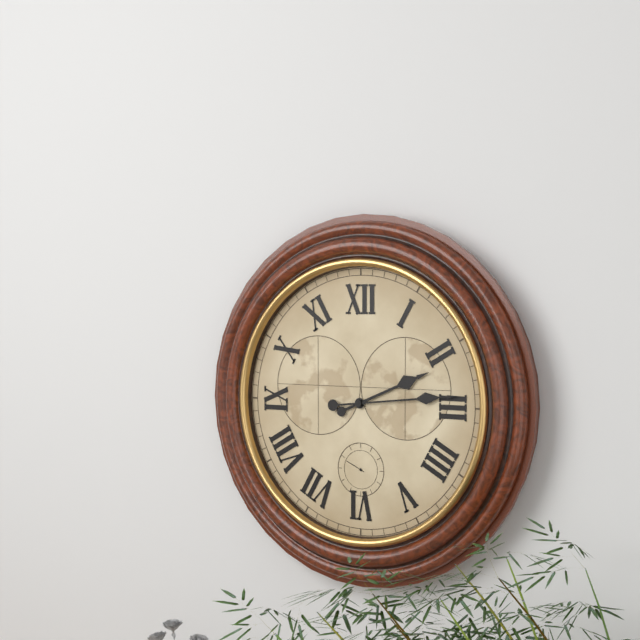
2:14
